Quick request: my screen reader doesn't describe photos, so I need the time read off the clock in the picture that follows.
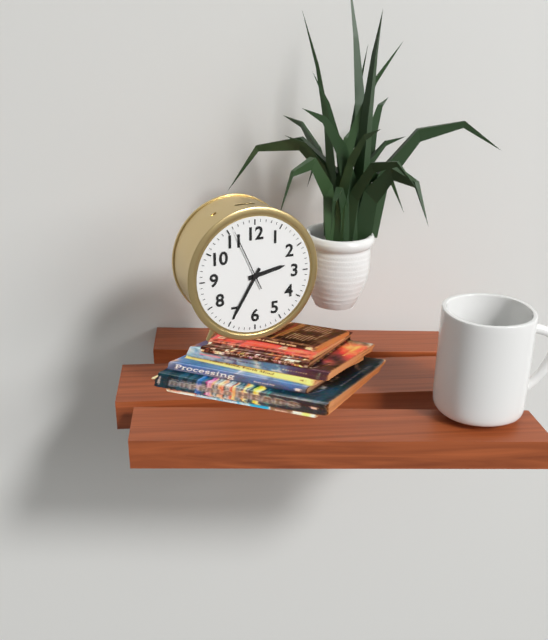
2:35:56
